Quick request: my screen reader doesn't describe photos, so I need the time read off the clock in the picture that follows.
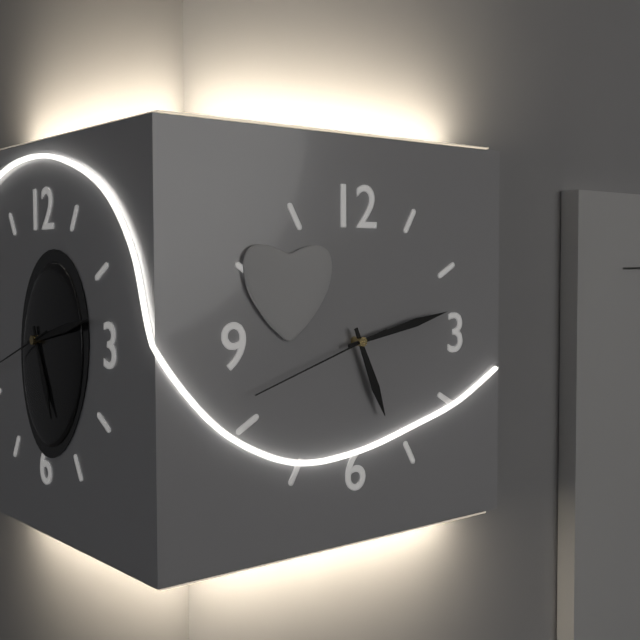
5:13:42
